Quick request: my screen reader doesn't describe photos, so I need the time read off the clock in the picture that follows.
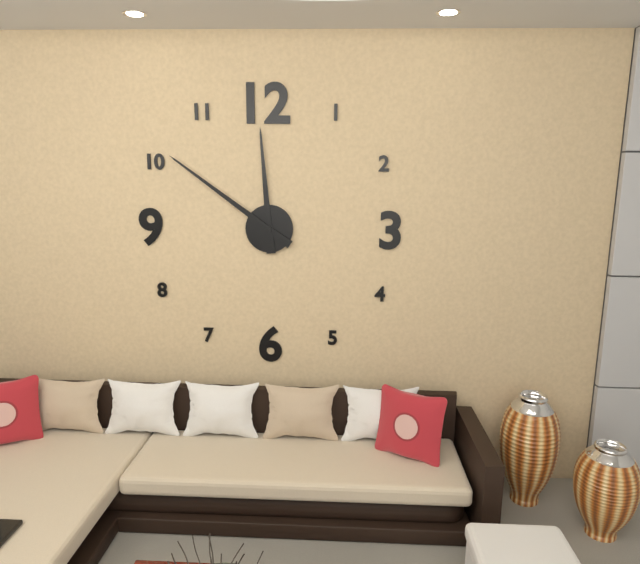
11:51
